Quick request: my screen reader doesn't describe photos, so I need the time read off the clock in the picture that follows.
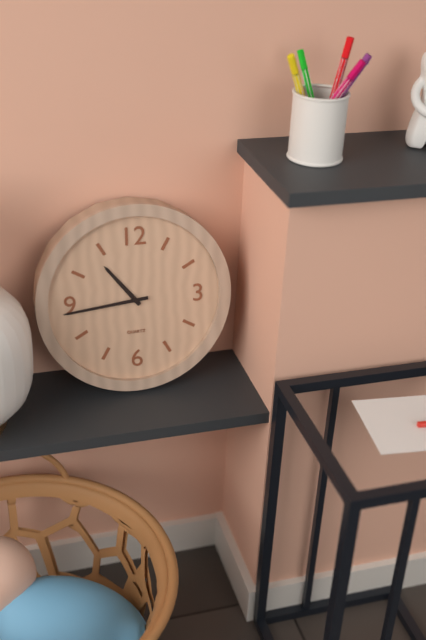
10:44
